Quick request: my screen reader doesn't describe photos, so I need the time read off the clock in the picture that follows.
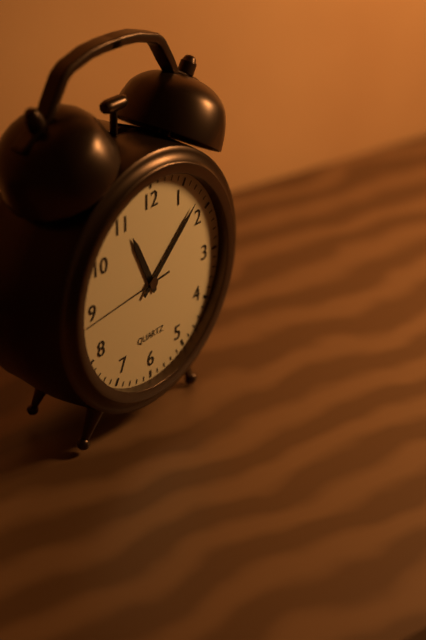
11:08:44
